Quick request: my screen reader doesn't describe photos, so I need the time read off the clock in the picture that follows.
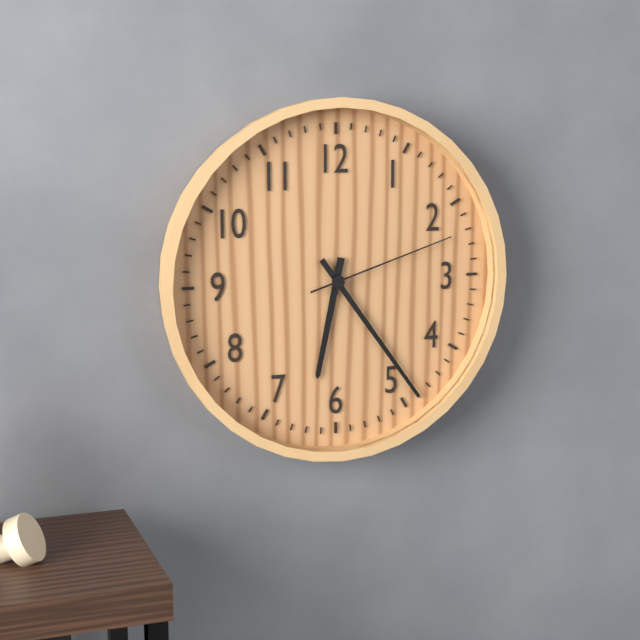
6:24:12
